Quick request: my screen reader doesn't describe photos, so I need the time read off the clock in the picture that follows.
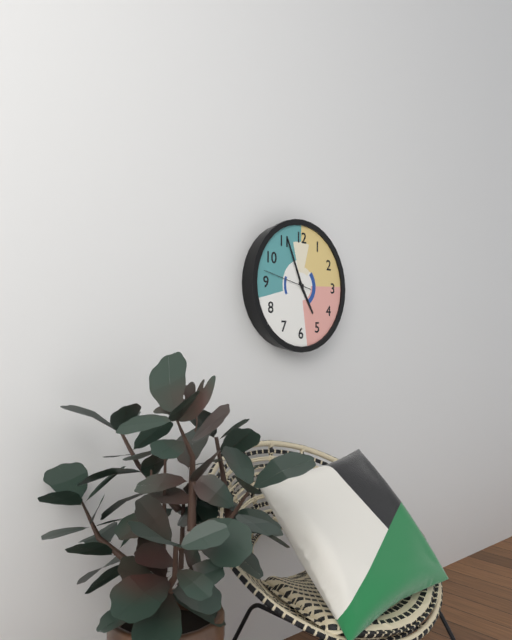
4:56:47
